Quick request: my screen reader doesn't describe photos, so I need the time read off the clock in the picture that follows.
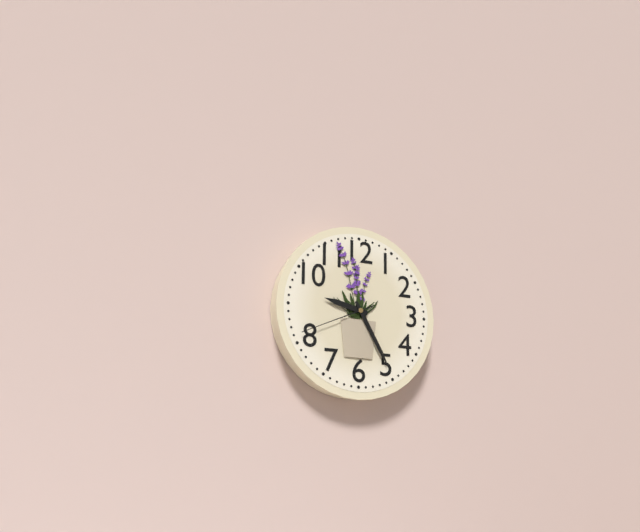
9:25:41
